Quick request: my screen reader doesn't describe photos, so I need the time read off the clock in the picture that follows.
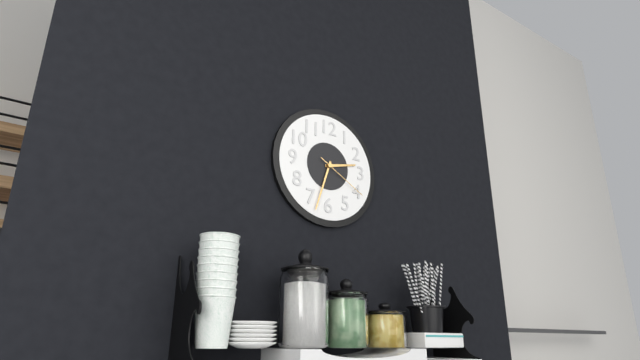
2:33:20
